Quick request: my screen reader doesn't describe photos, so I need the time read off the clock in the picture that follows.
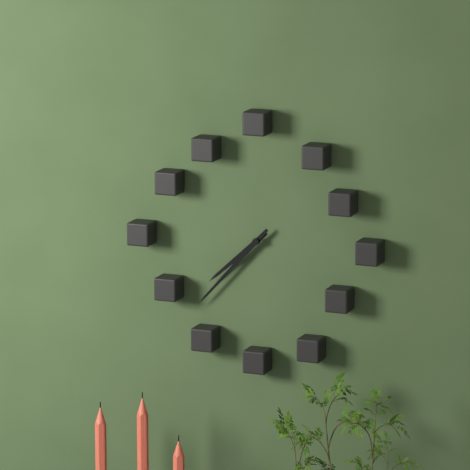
7:37
